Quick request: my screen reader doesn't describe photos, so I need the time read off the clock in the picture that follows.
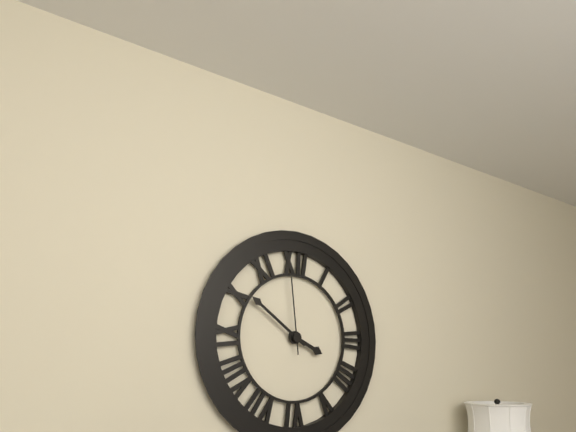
3:51:59
